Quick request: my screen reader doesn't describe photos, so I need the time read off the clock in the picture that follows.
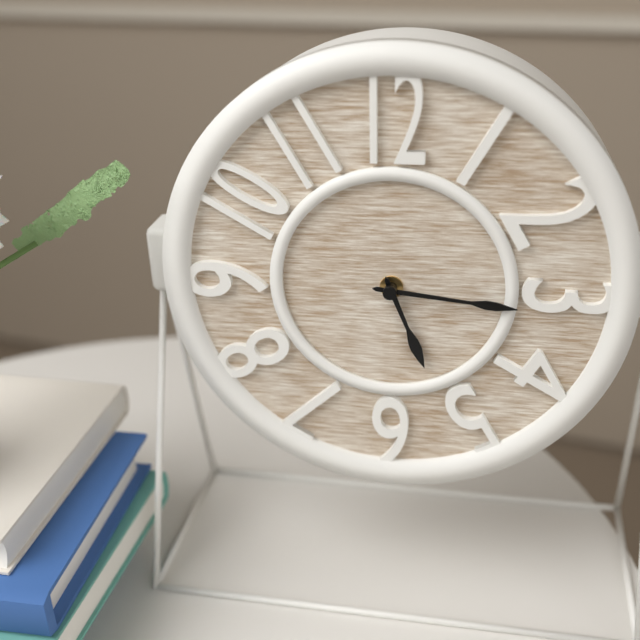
5:16
